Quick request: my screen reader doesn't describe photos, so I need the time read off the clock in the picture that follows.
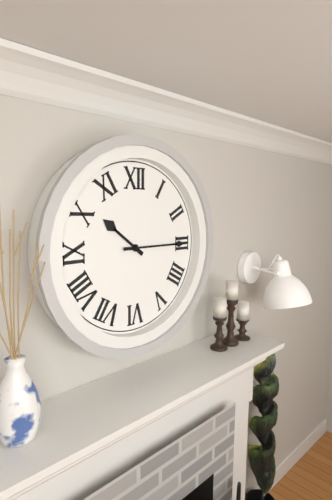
10:15
